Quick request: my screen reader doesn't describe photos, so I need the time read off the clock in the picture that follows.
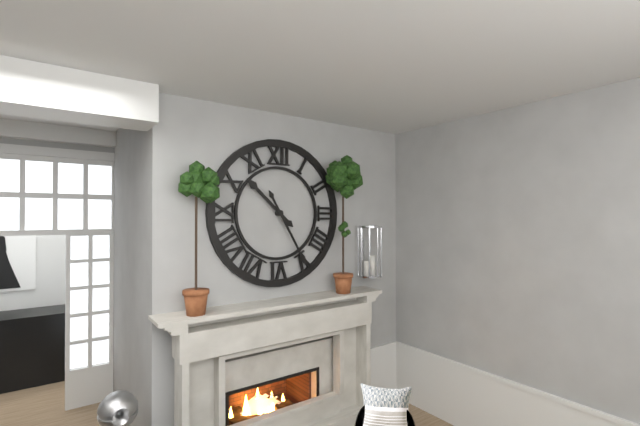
10:25
